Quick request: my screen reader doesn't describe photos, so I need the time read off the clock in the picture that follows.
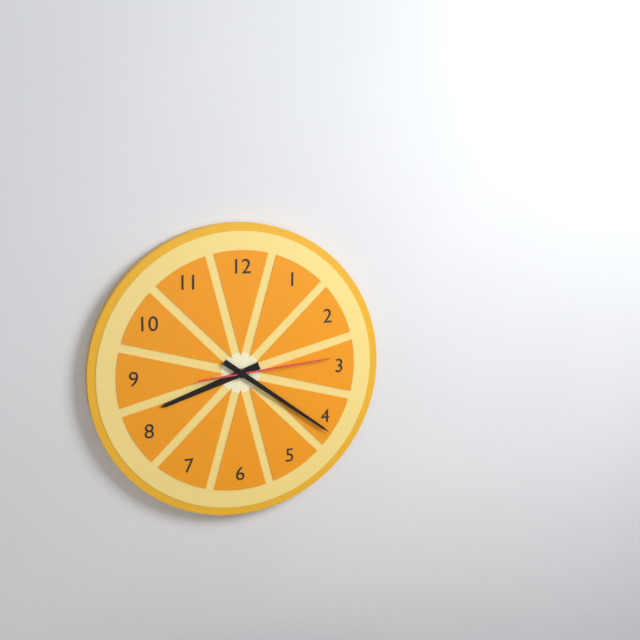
8:21:14
